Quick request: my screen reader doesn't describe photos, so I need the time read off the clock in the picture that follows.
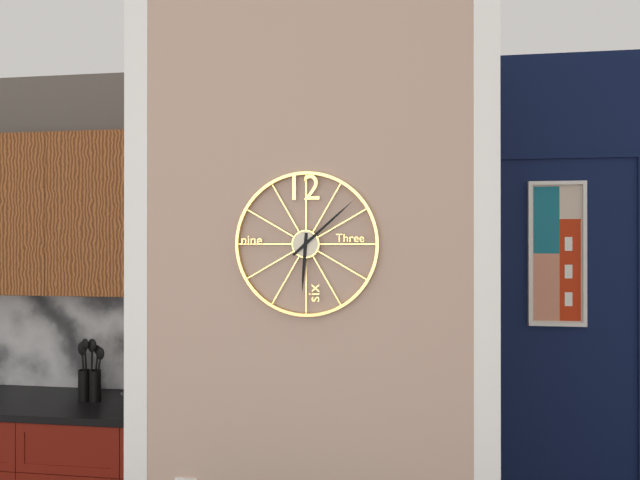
6:08
